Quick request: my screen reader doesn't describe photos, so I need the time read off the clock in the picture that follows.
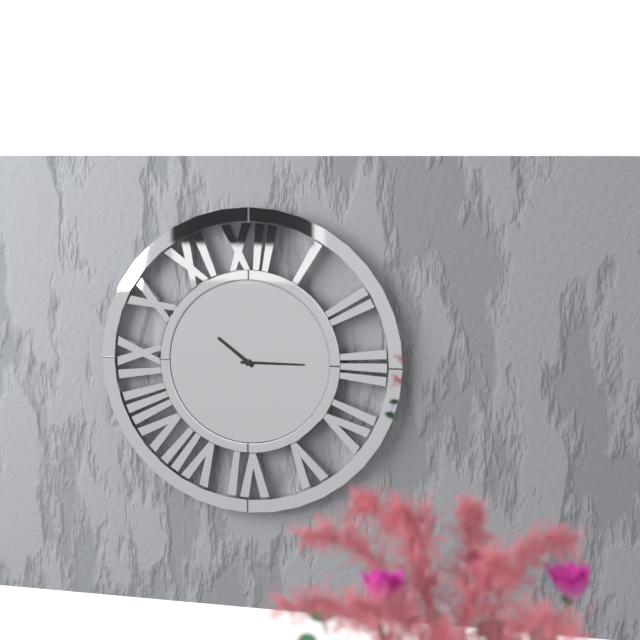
10:15
